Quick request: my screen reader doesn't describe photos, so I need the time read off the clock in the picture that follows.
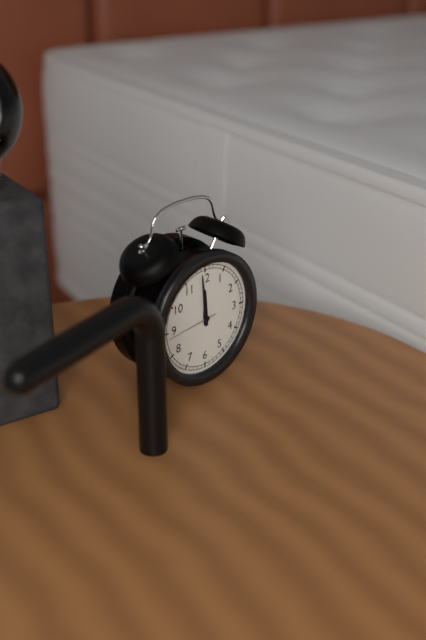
11:59:44
